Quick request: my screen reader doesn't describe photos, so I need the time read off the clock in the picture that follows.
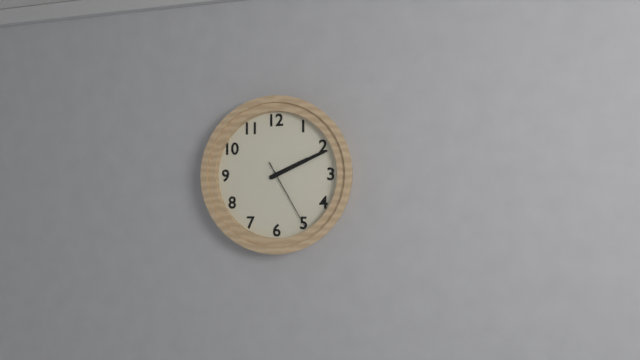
2:11:25
